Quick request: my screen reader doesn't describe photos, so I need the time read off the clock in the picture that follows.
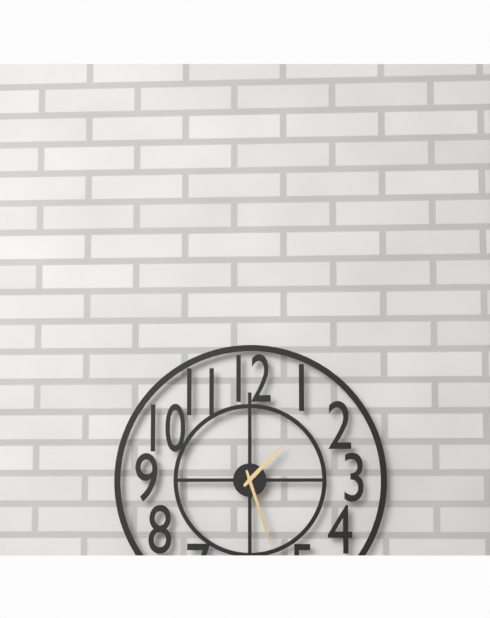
1:27
